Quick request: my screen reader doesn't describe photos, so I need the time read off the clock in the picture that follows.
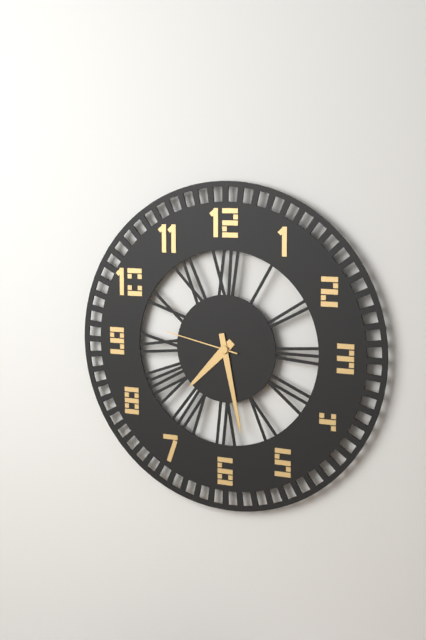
7:28:47
